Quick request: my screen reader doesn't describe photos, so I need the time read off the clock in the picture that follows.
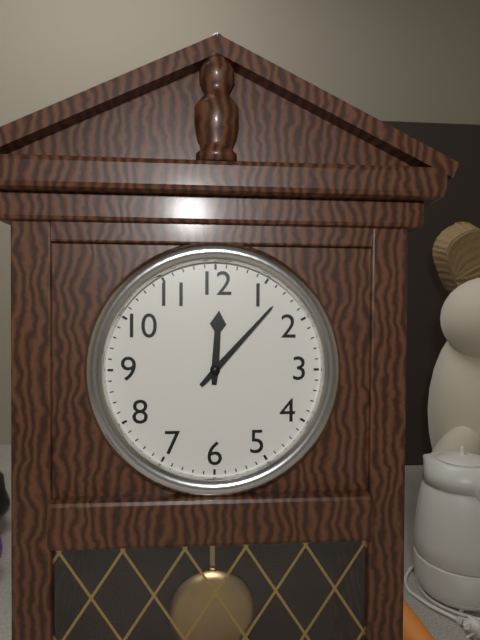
12:07
